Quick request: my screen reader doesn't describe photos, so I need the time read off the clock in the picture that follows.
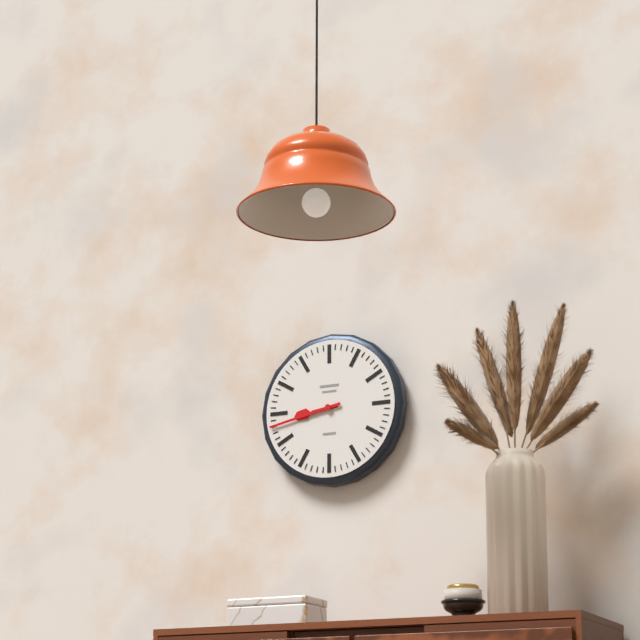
8:43
